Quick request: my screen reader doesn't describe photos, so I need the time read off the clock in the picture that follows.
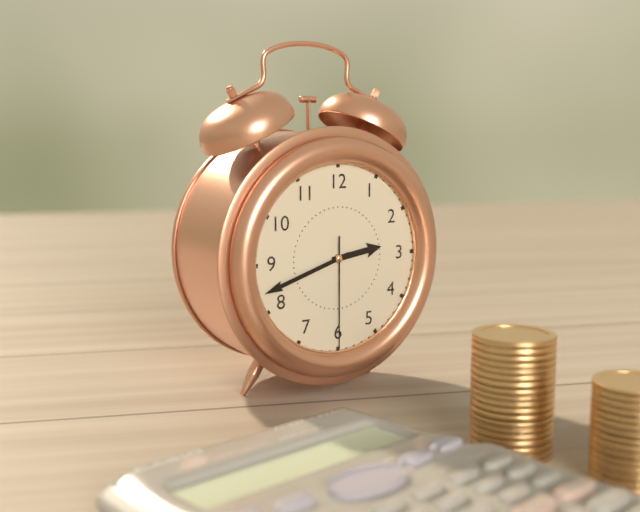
2:42:30
